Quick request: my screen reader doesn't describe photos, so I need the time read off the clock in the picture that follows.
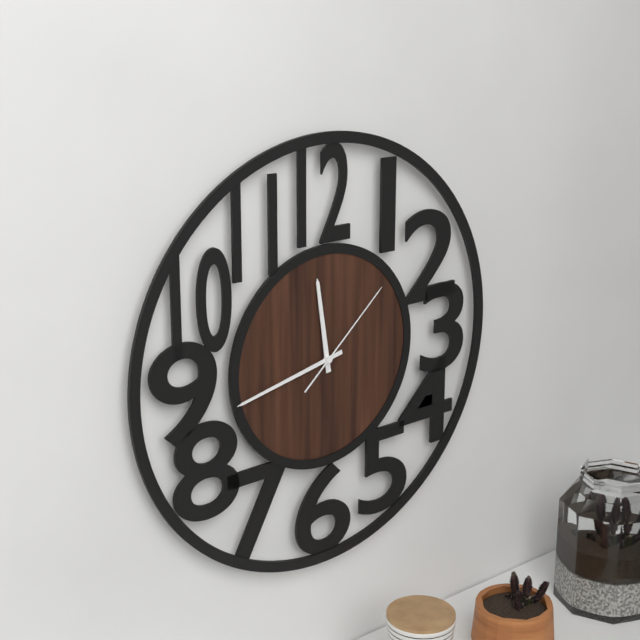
11:43:08
